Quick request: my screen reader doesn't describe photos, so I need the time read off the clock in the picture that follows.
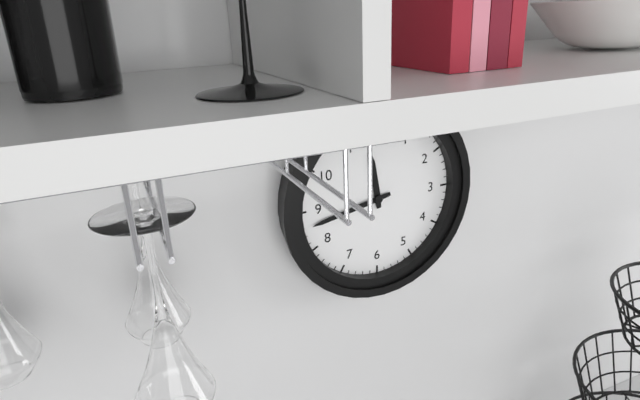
11:43
